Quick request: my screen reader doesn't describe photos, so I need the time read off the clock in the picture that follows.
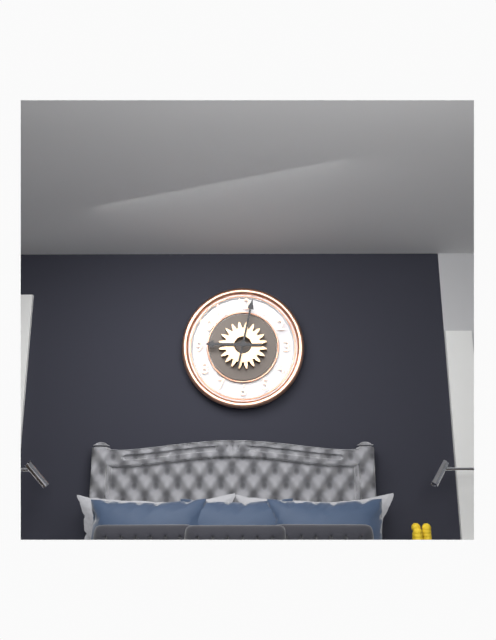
9:02
